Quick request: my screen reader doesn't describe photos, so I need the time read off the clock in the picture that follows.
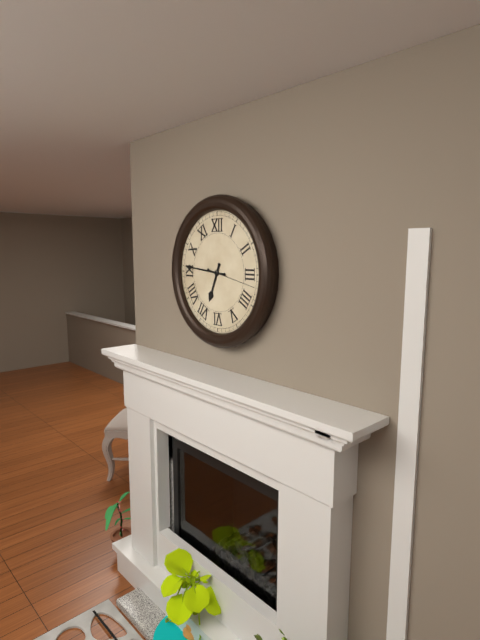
6:46
